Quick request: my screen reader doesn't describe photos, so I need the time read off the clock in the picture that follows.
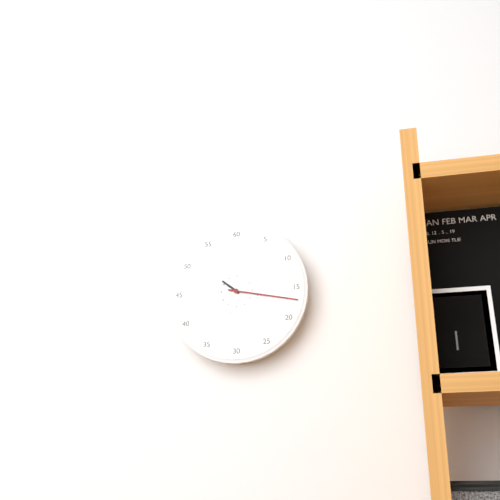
10:17
